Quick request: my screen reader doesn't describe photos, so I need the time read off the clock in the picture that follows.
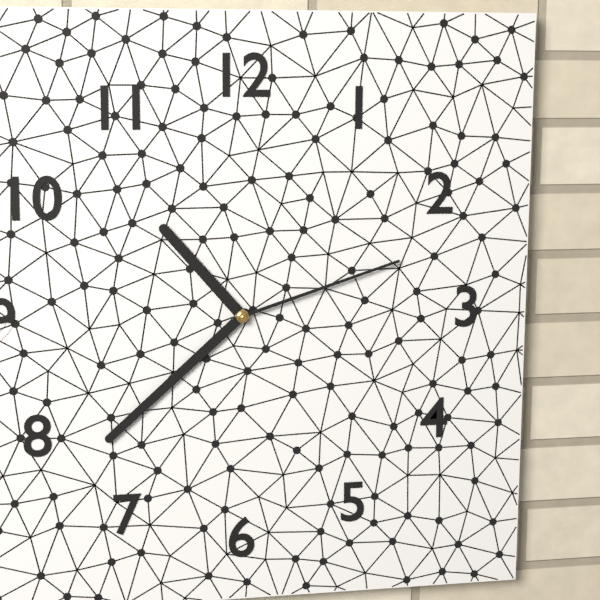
10:38:12
